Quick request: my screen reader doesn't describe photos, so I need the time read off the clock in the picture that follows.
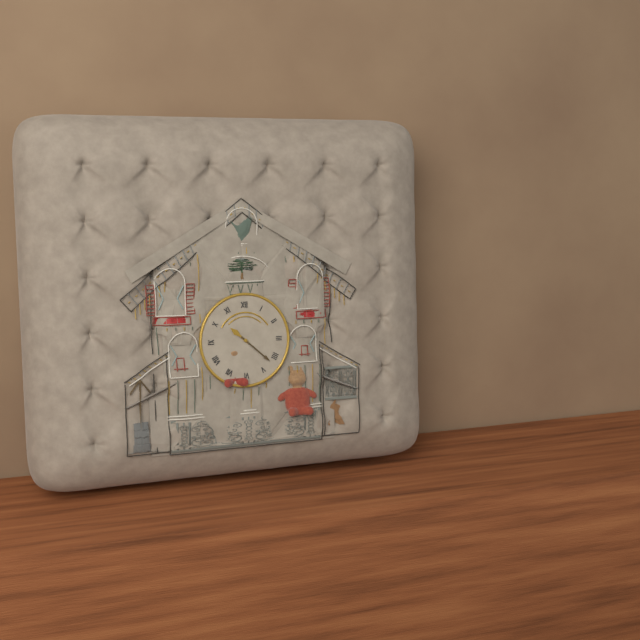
10:22
